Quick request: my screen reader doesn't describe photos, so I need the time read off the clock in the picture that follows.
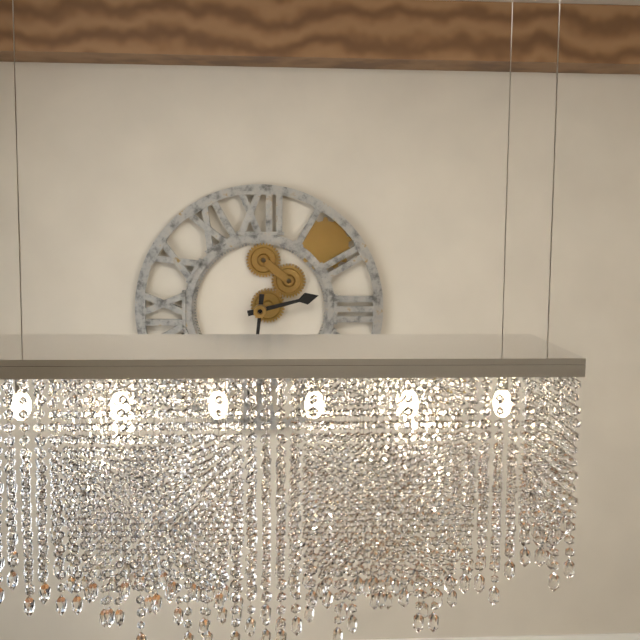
2:31
